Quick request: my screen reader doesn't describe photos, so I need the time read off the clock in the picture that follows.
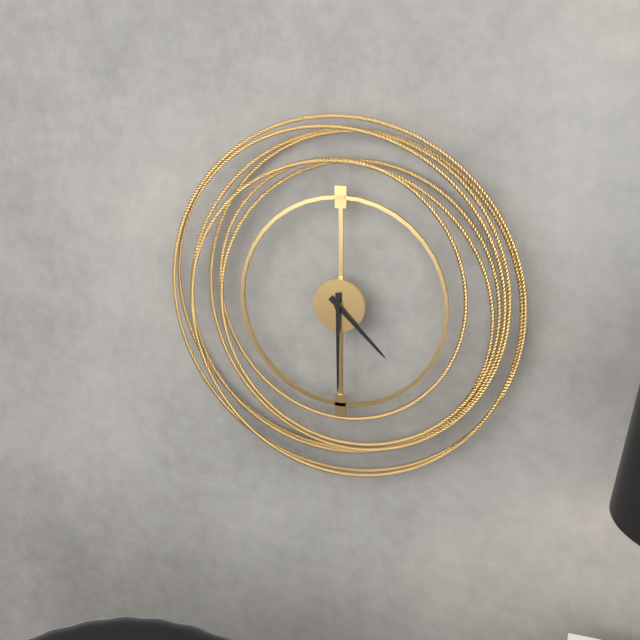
4:30
